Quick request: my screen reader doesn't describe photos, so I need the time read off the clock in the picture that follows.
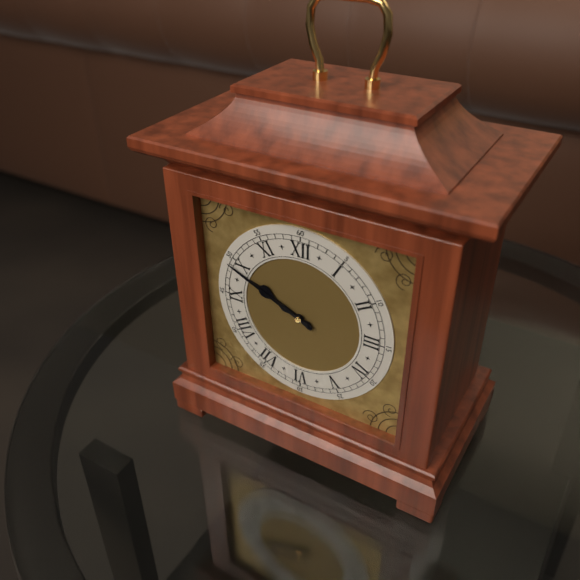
9:49
